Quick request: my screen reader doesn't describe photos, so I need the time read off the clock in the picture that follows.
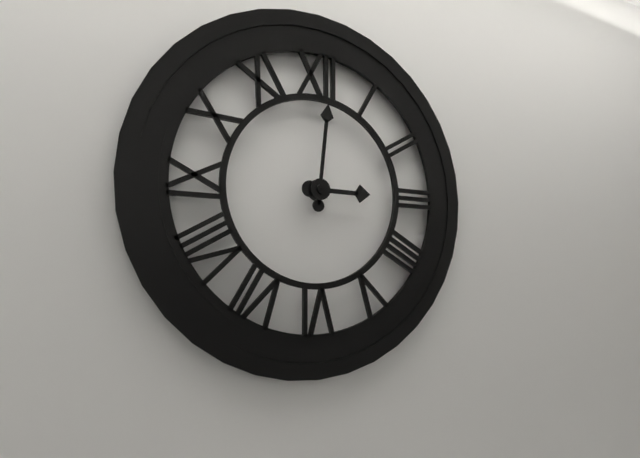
3:01
